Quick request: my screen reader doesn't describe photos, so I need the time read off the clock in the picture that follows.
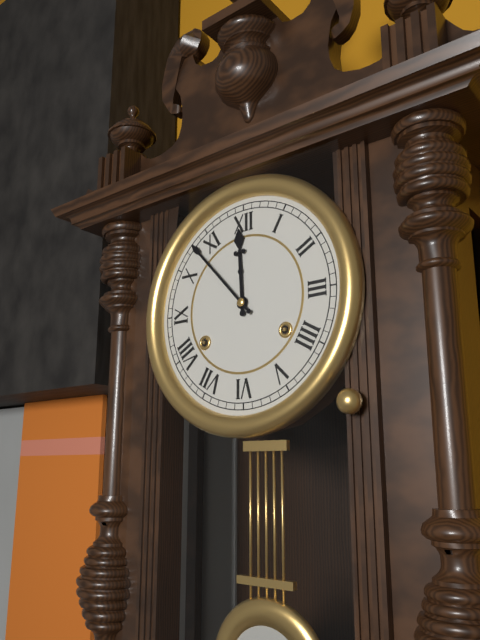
11:53
